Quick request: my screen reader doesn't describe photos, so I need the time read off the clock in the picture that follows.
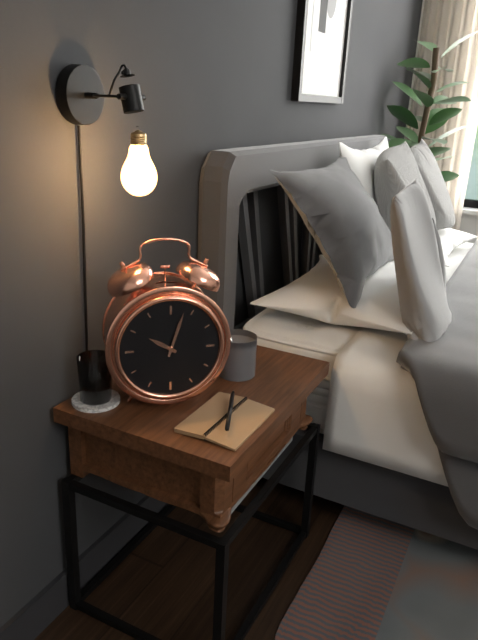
10:03
